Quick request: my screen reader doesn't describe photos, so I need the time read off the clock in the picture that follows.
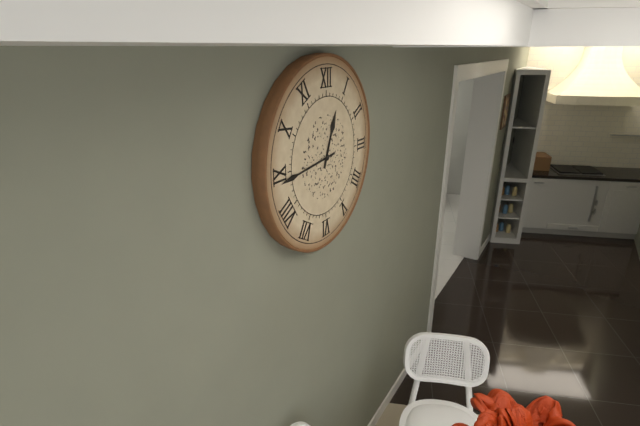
12:44
